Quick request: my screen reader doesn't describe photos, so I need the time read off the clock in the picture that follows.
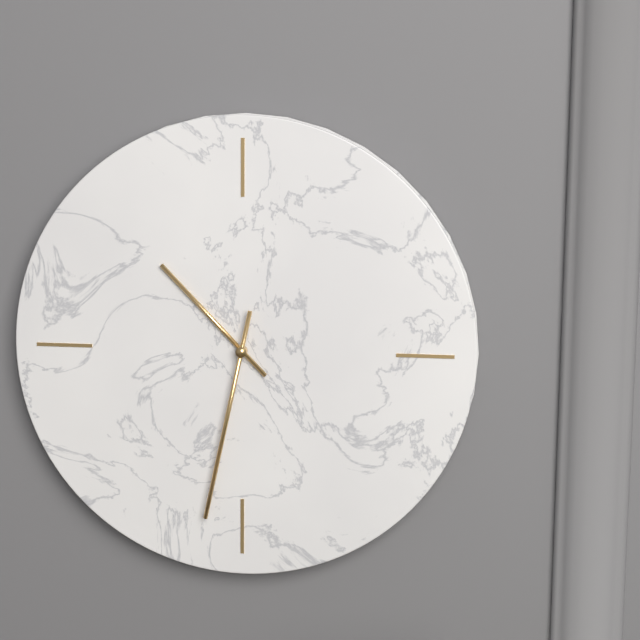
10:32
